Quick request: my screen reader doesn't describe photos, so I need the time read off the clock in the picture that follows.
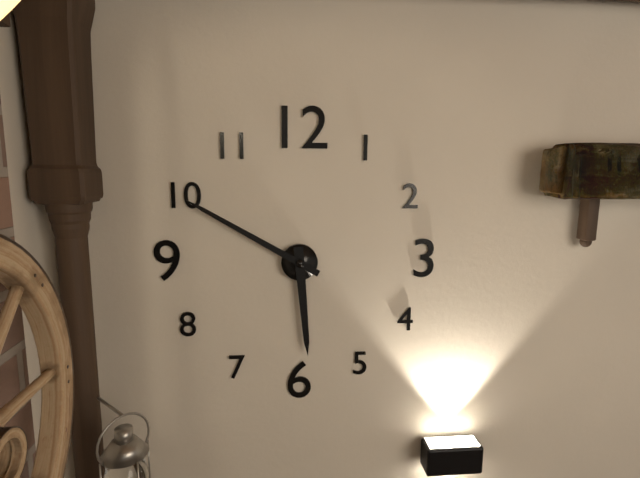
5:50
